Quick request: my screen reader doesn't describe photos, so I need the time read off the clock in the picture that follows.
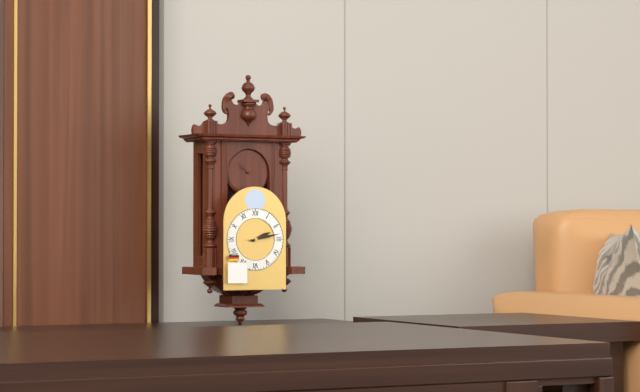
2:13
